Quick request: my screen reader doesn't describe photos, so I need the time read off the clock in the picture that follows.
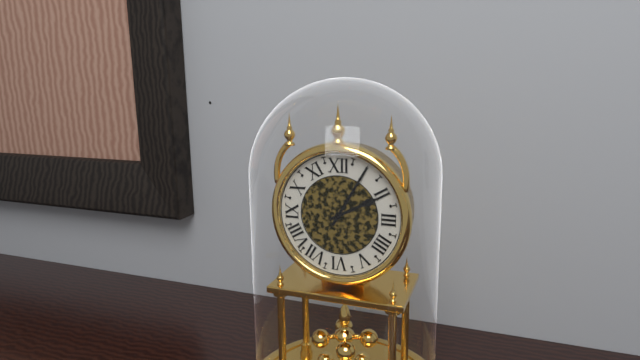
2:05
